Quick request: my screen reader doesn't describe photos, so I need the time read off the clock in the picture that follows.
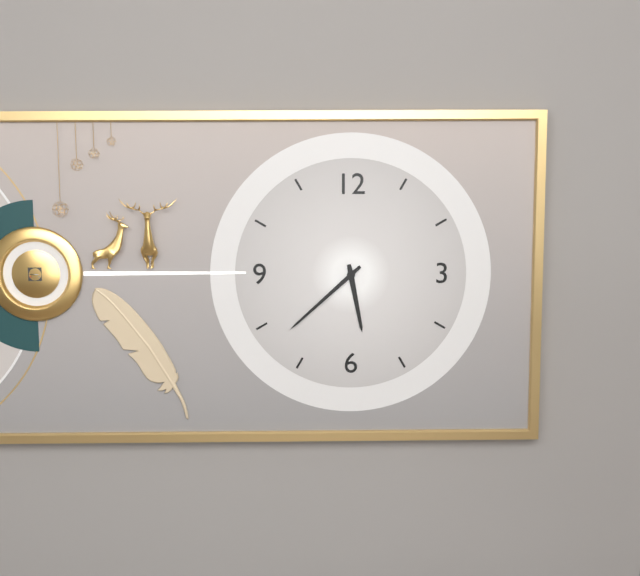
5:38
